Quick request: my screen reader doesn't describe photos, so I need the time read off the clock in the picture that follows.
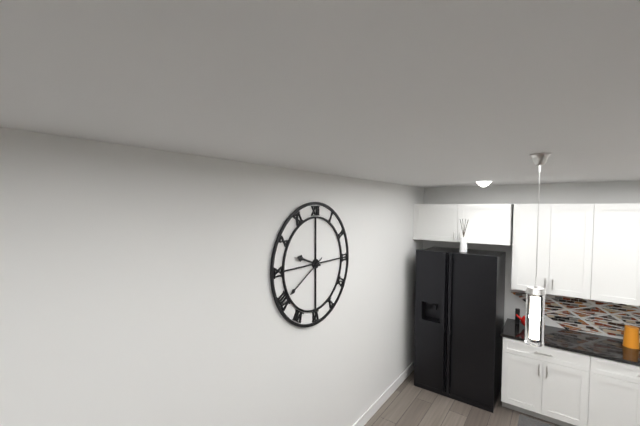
9:40
